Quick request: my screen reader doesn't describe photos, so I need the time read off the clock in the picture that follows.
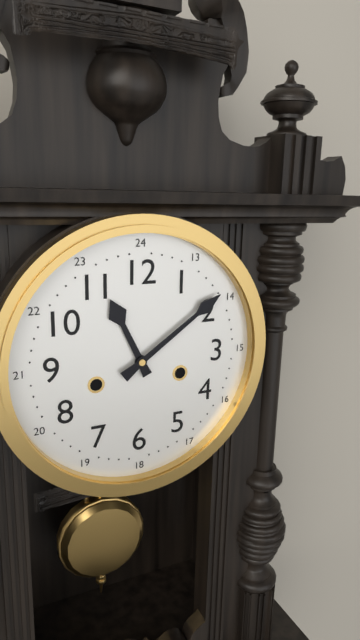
11:09
